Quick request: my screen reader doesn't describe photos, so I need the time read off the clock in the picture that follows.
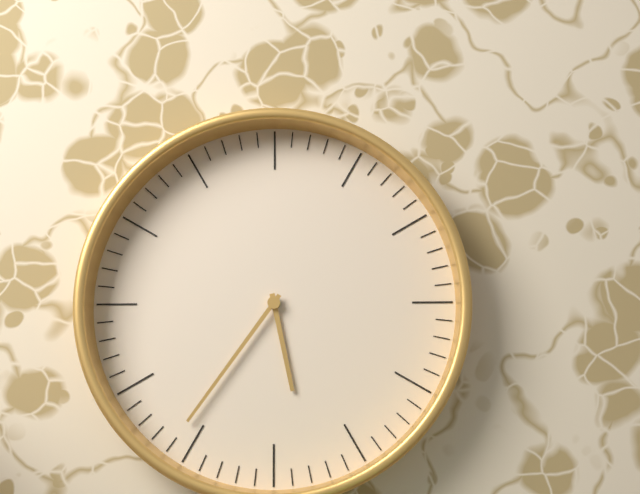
5:36
